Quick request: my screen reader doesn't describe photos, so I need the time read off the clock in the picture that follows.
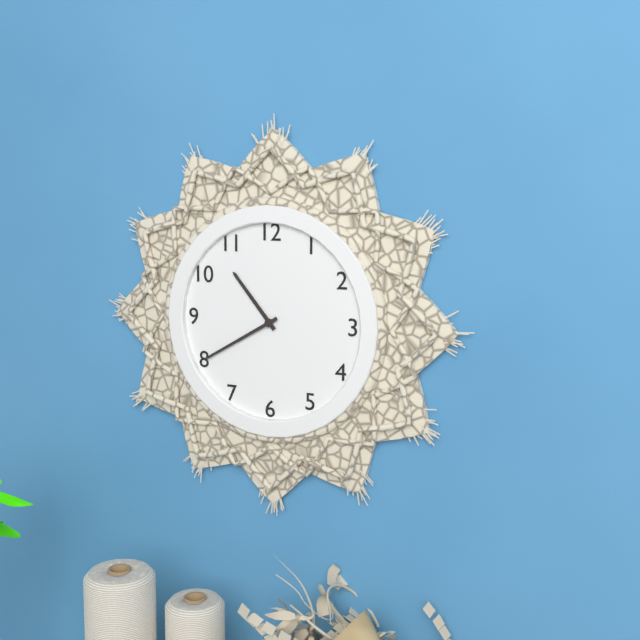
10:40
